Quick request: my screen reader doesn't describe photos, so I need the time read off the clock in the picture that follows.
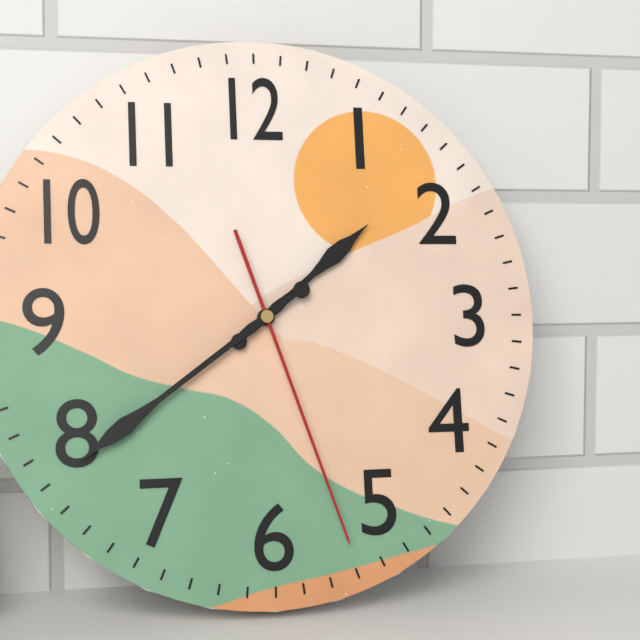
1:39:27
